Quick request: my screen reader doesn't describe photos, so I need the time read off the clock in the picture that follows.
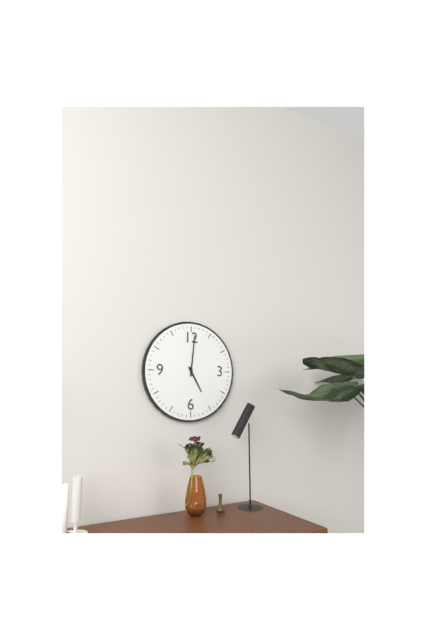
5:01
